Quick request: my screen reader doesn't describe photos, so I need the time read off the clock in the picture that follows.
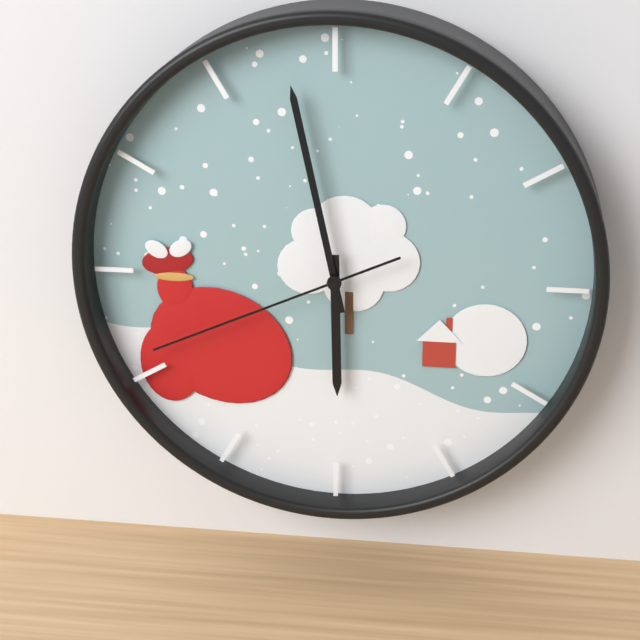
5:58:41
